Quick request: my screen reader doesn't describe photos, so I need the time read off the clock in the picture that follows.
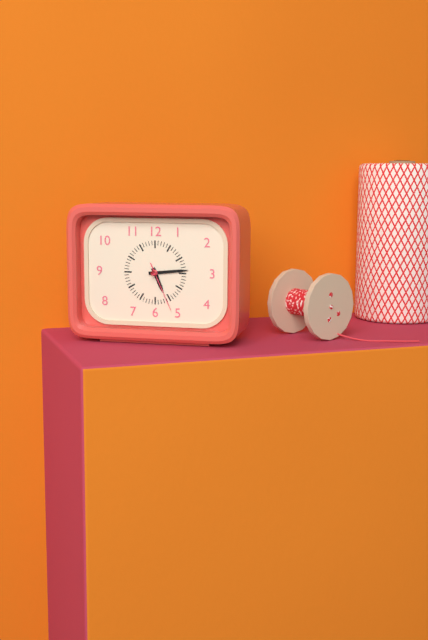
5:14:26
